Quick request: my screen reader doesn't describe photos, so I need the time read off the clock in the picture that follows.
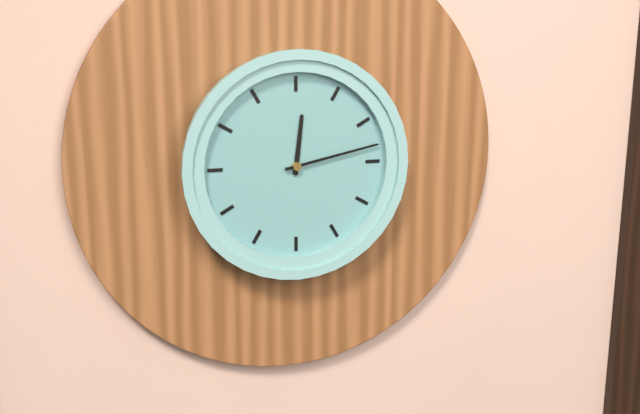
12:13
